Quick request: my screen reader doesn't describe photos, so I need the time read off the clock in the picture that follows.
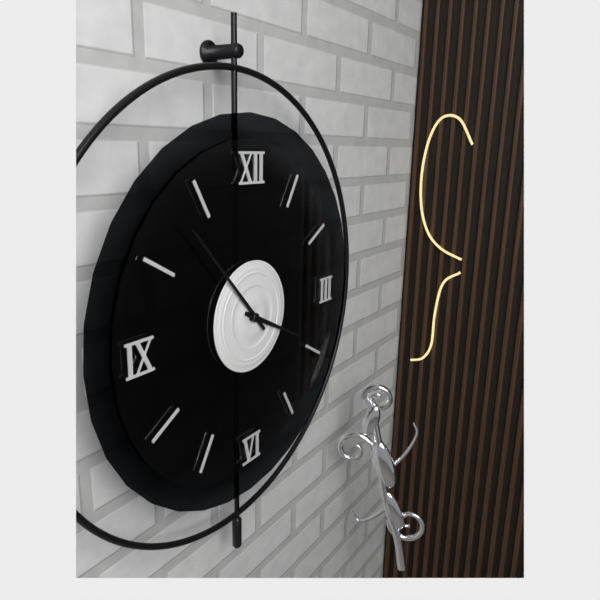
3:53
